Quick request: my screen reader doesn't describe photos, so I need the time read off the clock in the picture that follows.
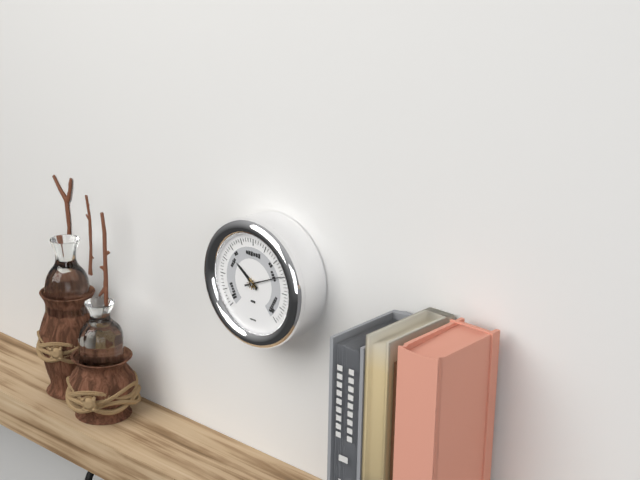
10:11
